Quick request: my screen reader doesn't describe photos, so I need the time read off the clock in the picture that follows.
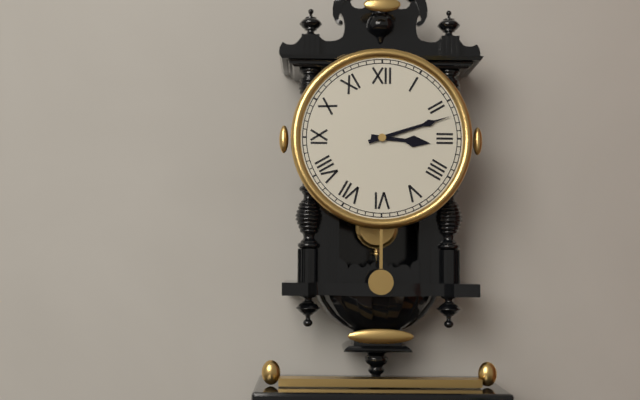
3:12
